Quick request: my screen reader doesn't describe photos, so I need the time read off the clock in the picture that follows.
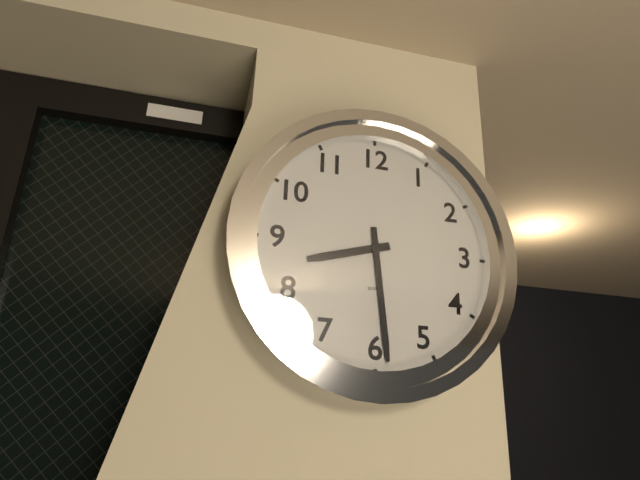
8:29
